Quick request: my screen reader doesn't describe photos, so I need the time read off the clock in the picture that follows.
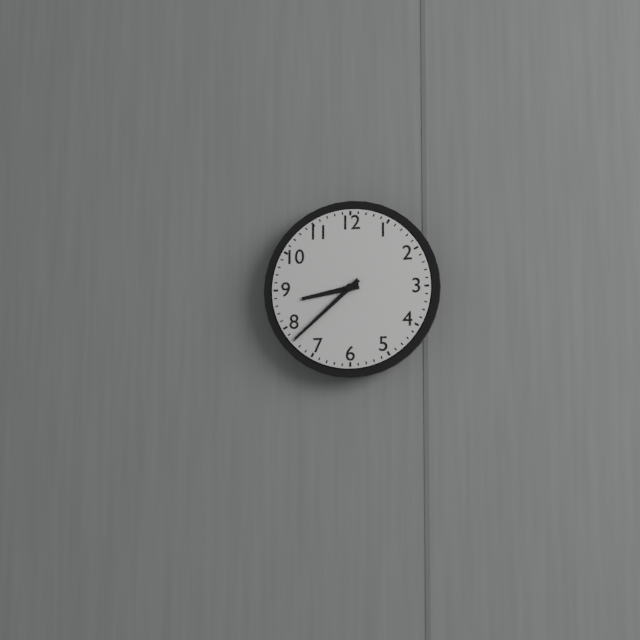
8:38
